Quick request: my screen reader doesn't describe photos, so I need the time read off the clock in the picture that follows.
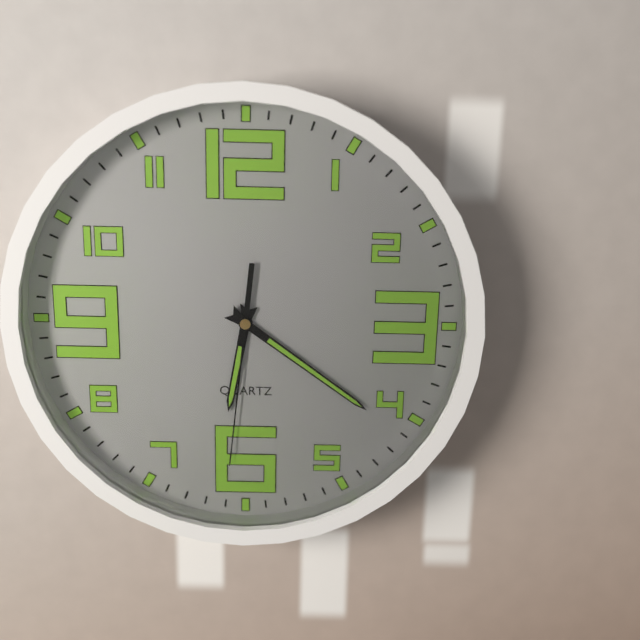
6:21:31
